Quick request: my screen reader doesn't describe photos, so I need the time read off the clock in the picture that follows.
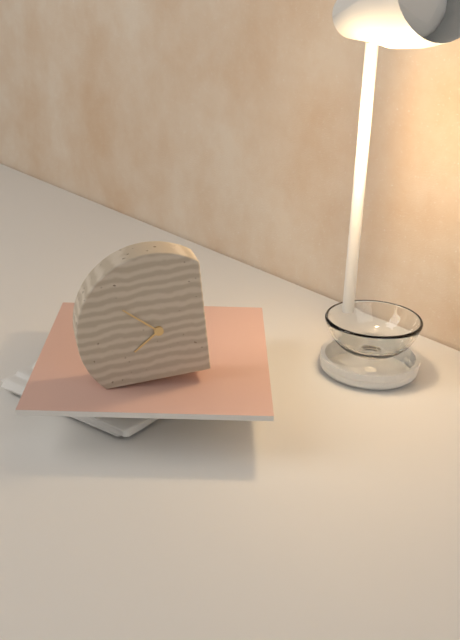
7:52
